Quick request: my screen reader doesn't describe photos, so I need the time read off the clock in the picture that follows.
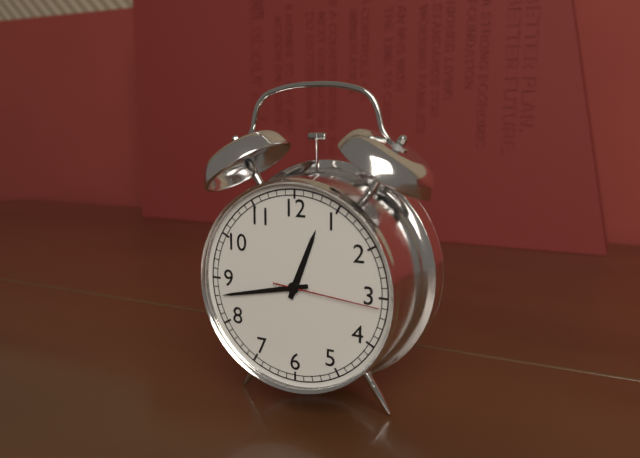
12:43:16
